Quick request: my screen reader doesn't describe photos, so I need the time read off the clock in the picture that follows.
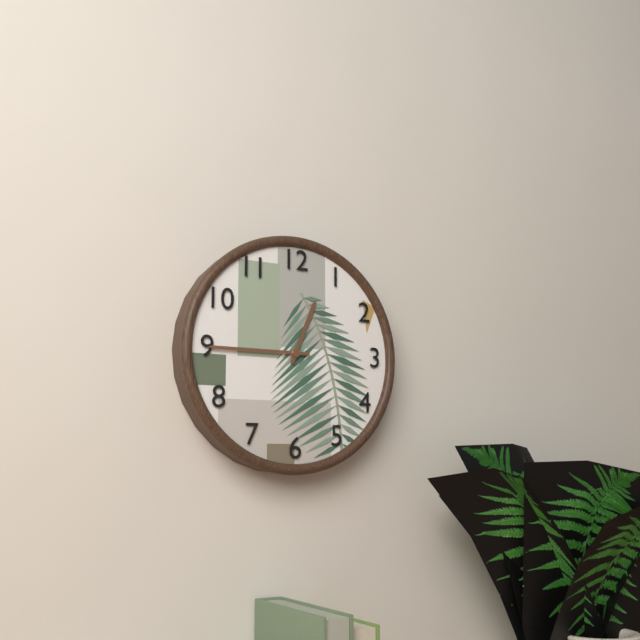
12:45
